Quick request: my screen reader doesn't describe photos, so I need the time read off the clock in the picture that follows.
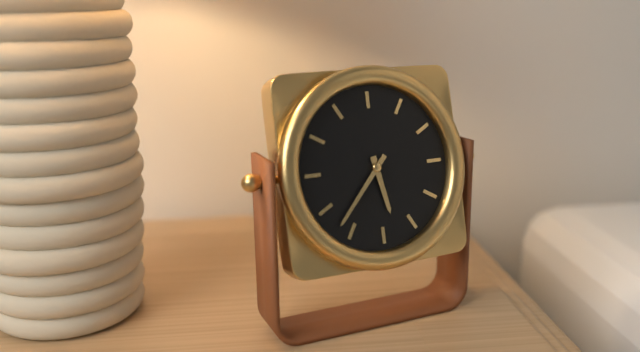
5:37
